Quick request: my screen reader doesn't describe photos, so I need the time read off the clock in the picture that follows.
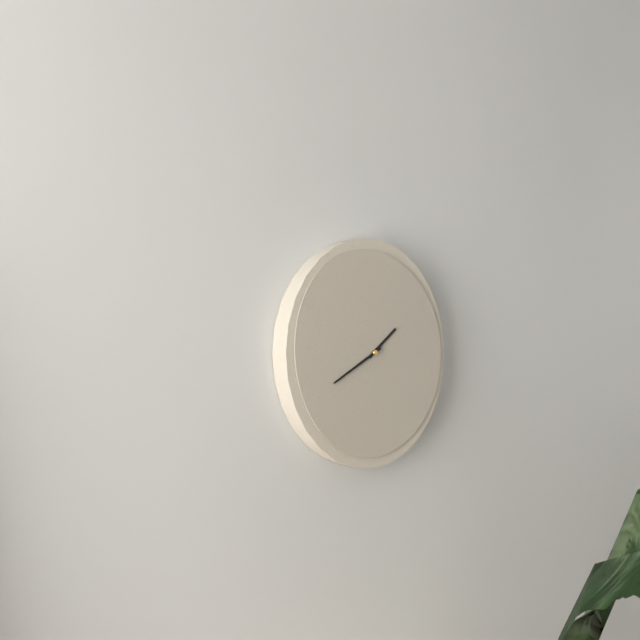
1:40
